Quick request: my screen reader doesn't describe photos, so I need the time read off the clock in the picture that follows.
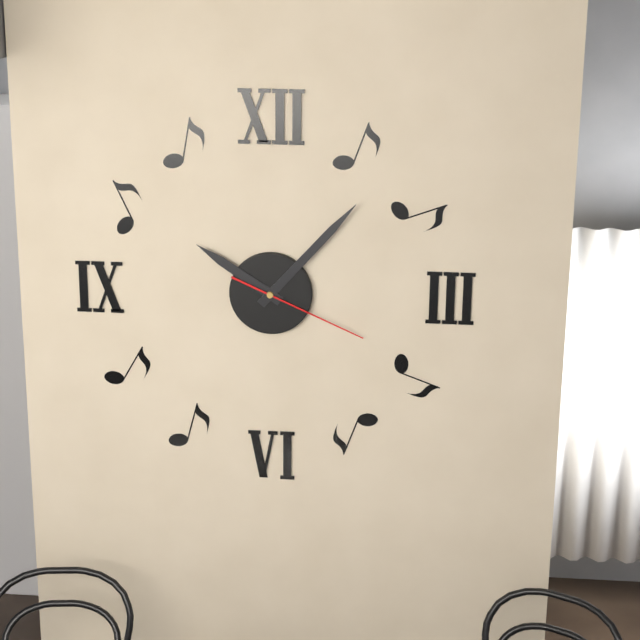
10:07:19
